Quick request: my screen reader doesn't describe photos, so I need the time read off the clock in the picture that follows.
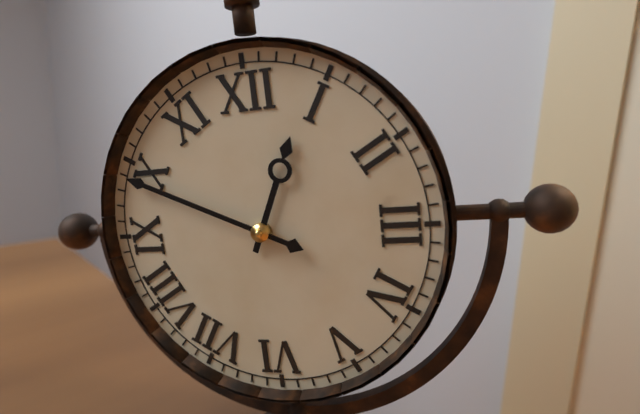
12:49
